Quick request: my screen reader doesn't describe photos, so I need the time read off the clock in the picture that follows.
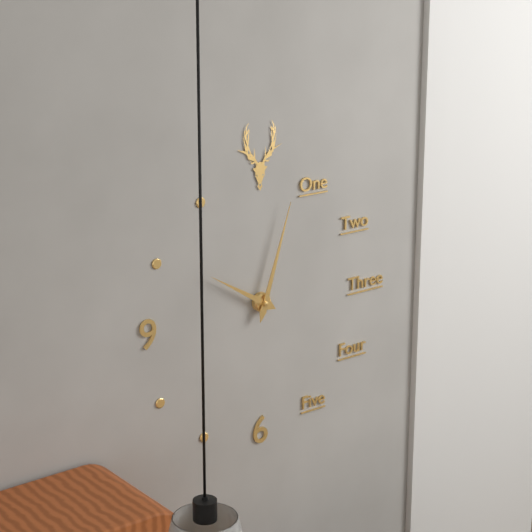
10:03
